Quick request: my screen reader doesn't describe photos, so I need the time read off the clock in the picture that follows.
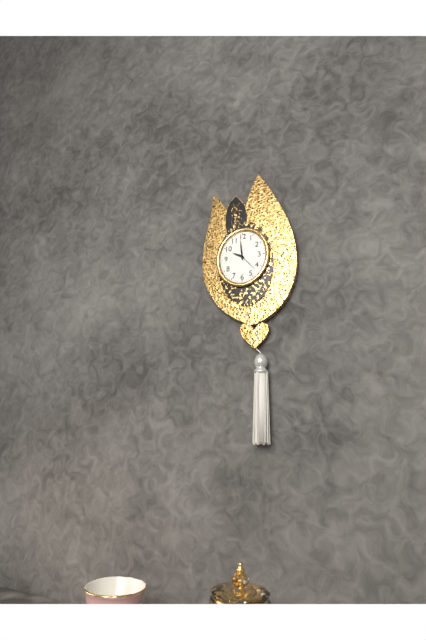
9:59
